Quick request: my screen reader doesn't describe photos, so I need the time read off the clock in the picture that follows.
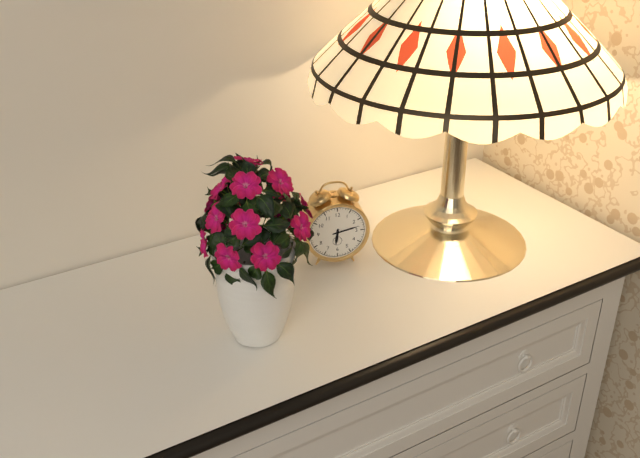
6:13
